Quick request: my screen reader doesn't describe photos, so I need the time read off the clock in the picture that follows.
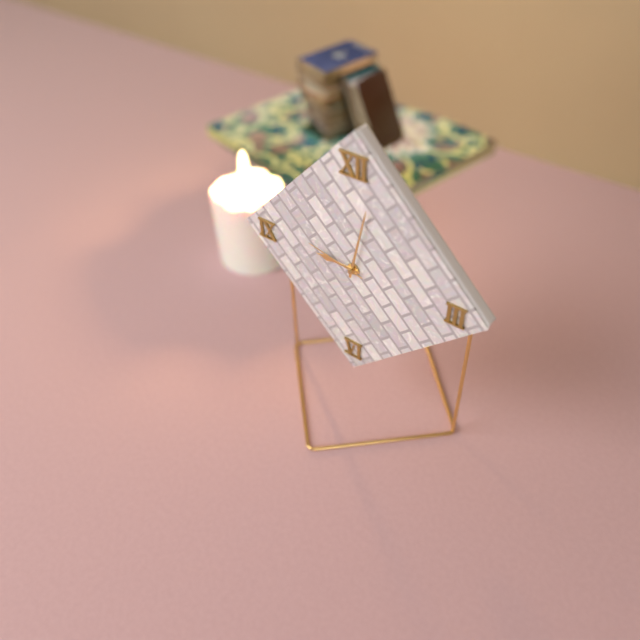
9:02:47
